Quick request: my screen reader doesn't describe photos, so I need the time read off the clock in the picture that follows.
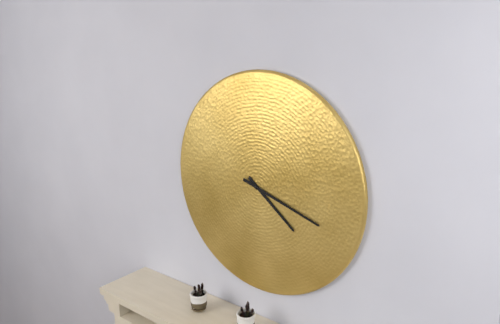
4:18
